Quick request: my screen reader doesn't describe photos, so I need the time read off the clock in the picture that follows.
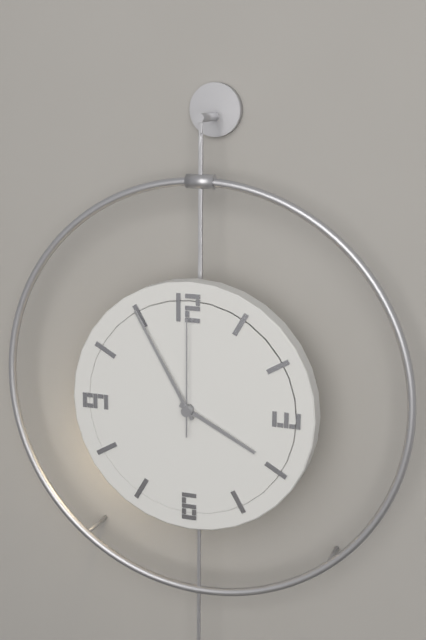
3:55:00
